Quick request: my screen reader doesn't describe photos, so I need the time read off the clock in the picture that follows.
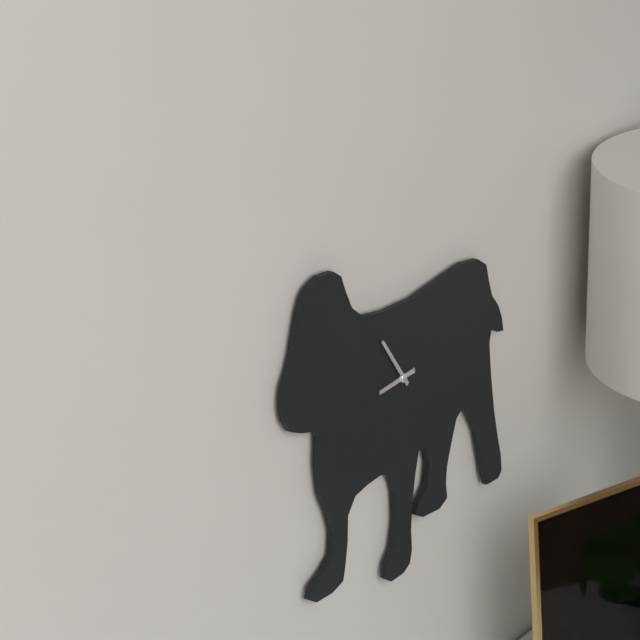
8:54
